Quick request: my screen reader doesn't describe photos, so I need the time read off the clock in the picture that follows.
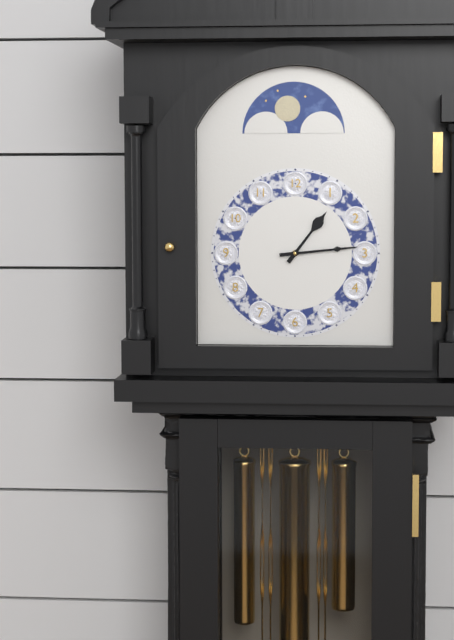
1:14
